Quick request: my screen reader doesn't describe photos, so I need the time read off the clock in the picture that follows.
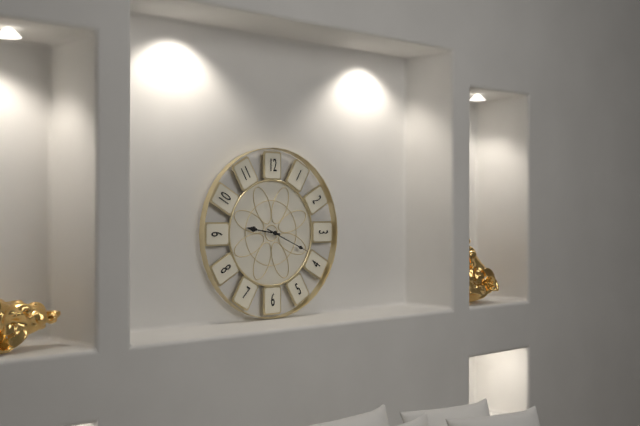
9:19
